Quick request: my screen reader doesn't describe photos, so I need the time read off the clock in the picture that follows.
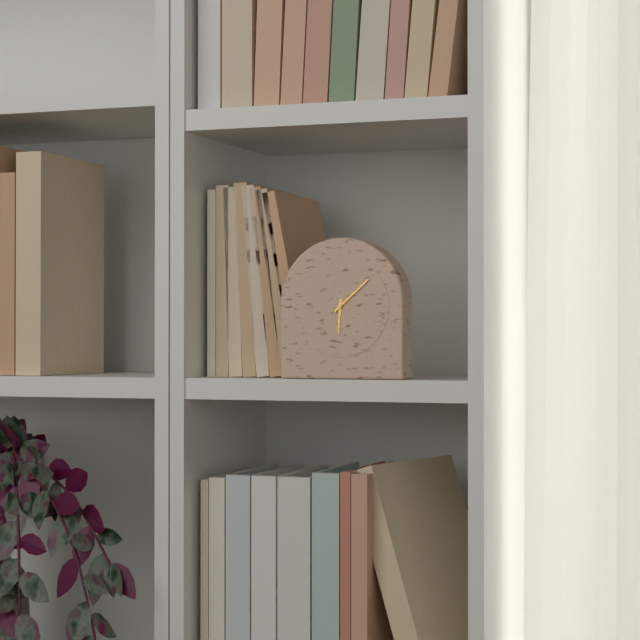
6:08
